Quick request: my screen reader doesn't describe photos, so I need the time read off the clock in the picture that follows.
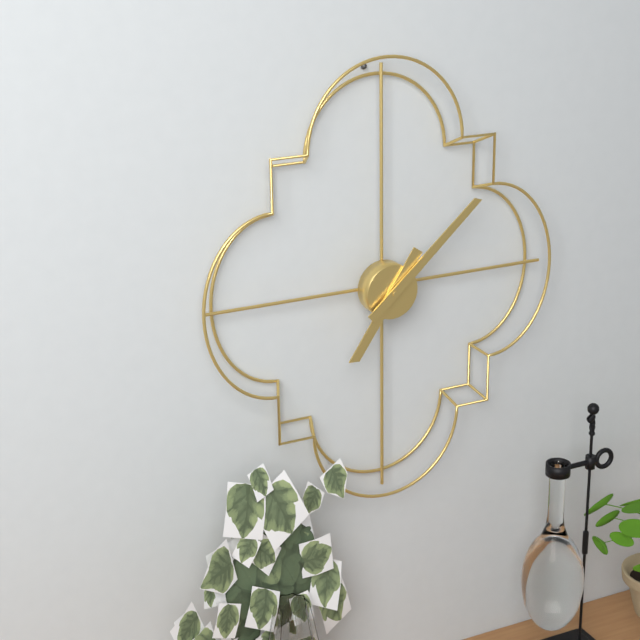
7:08
